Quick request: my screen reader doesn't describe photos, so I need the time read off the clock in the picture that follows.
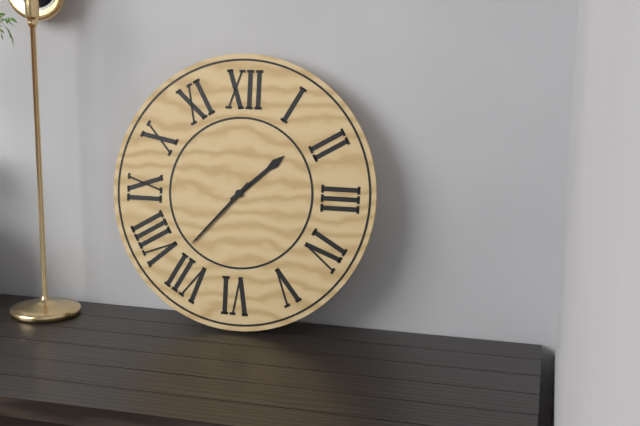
1:37
